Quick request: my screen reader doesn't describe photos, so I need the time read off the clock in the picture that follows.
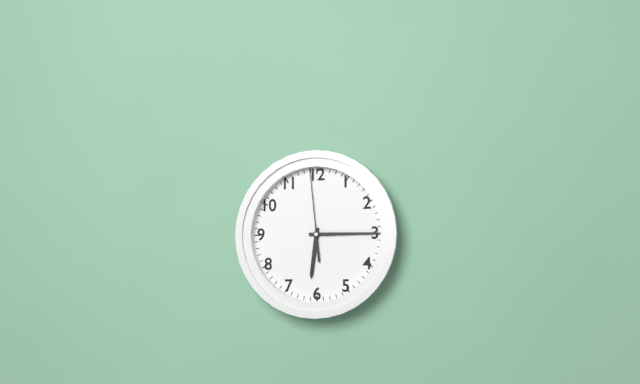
6:15:59
